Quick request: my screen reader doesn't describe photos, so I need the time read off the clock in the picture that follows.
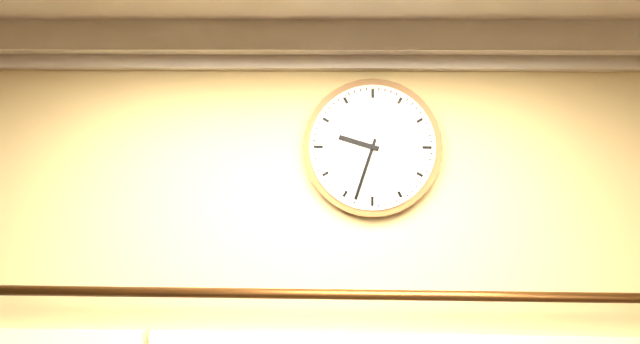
9:33
